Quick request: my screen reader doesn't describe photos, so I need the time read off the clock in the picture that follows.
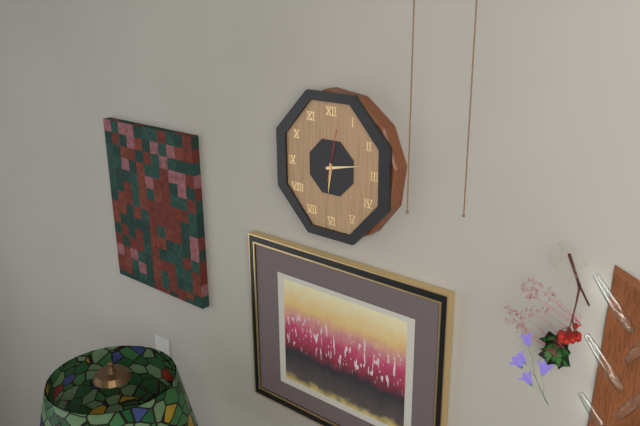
6:13
